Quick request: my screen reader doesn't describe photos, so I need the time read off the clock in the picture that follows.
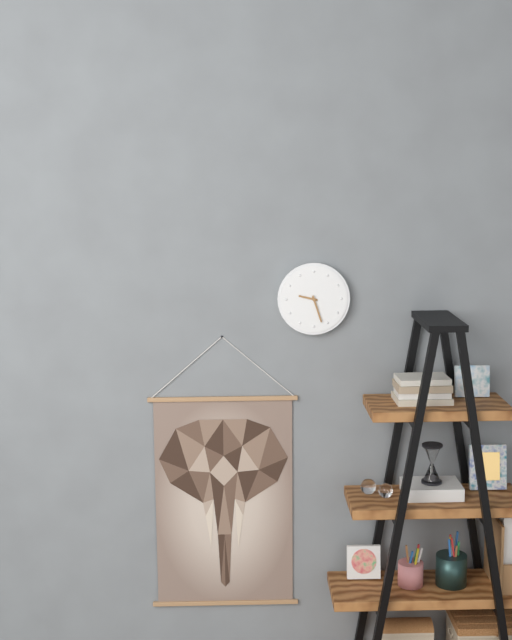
9:27
